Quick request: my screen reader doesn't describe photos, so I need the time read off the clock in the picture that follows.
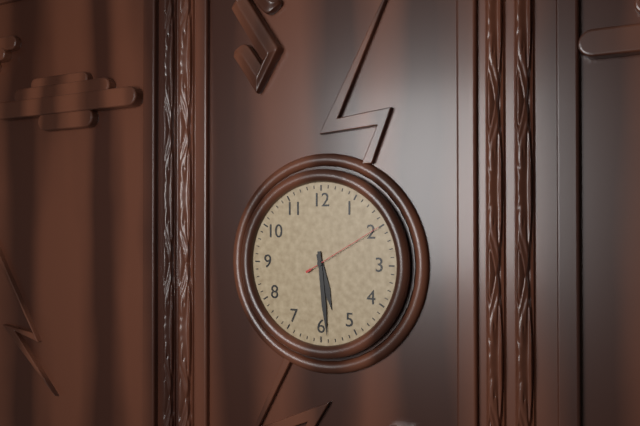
5:29:10
